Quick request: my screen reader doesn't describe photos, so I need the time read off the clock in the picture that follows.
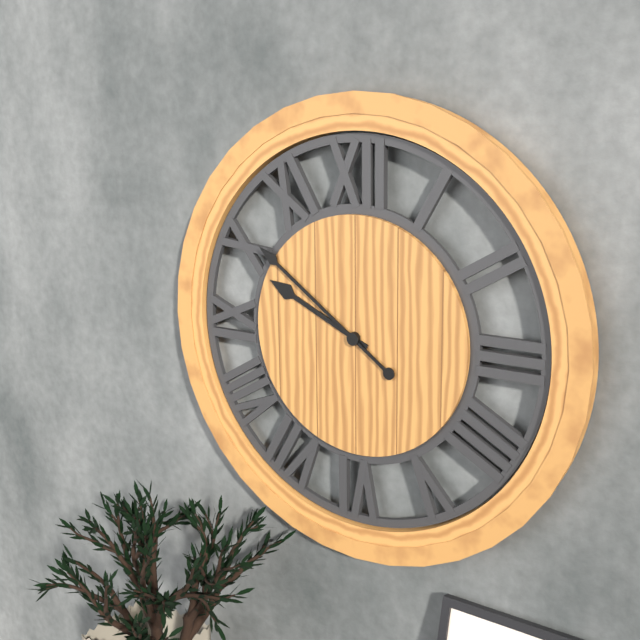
9:51
